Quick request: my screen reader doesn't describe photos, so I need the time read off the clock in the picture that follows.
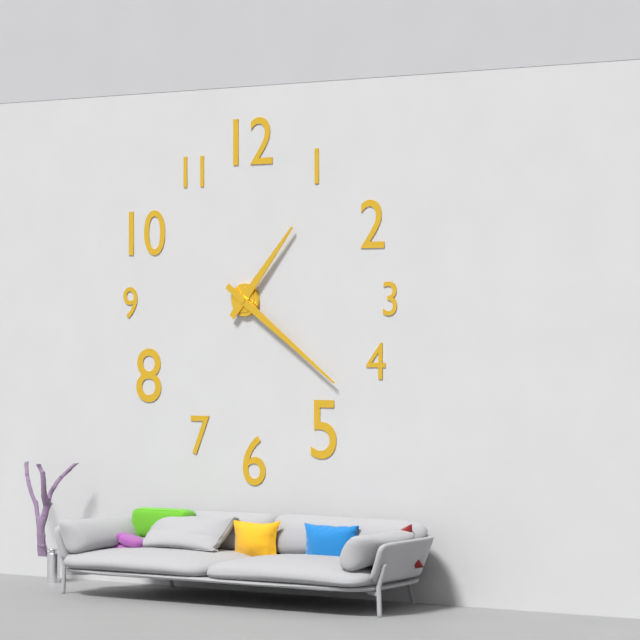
1:21
